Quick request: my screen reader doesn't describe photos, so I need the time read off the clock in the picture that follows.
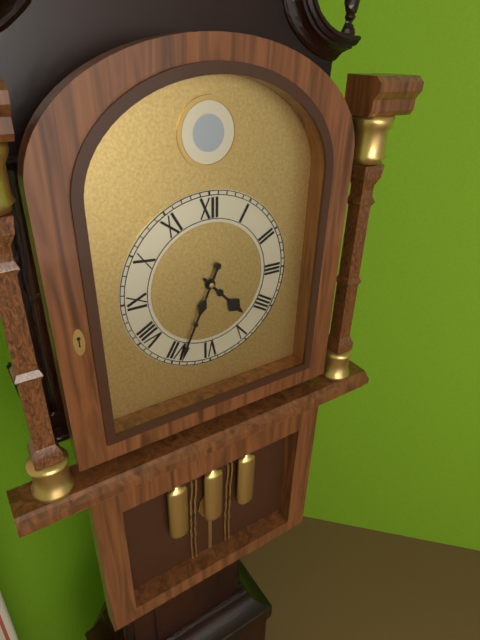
4:34
